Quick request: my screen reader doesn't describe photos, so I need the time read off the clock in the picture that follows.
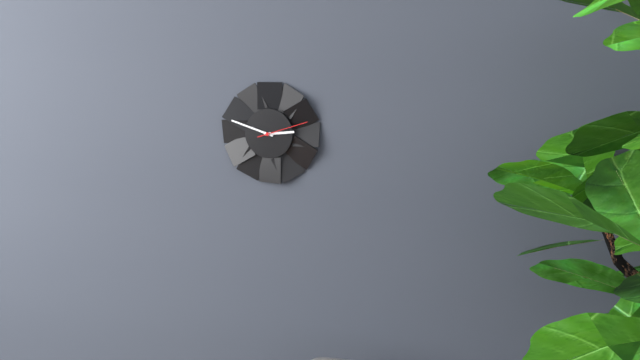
2:48:12
